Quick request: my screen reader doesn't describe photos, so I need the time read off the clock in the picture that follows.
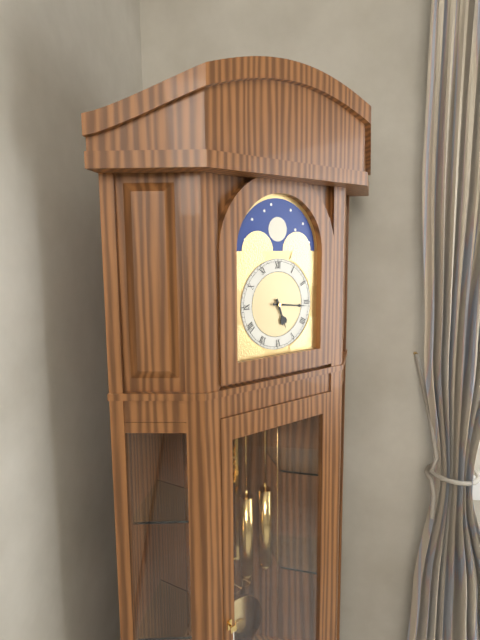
5:16
